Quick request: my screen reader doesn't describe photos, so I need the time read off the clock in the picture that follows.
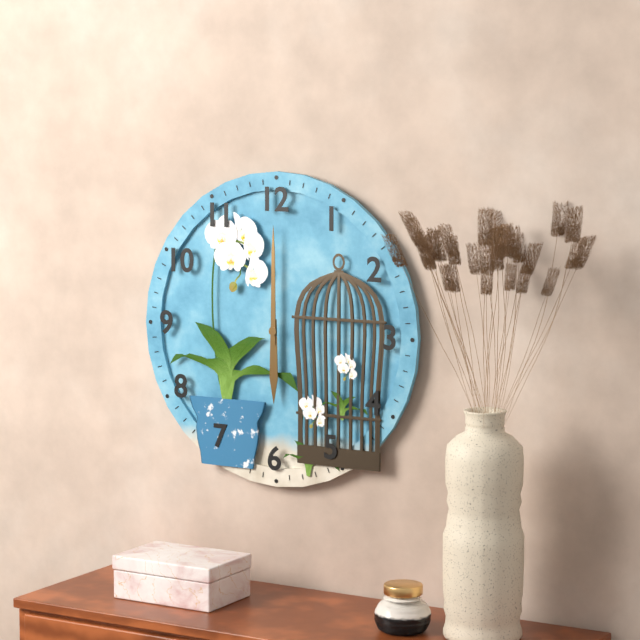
6:00
